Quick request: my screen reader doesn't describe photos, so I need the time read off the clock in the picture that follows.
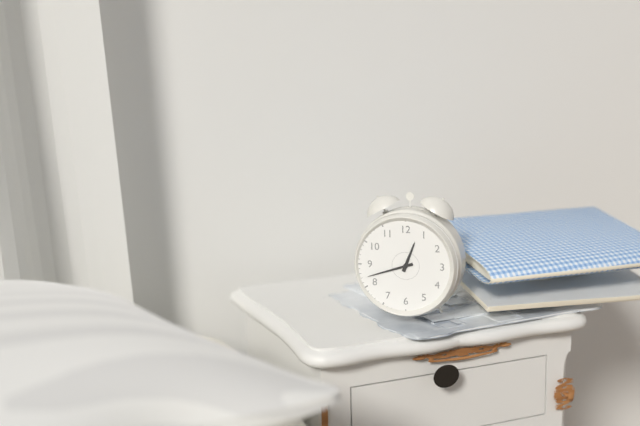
12:42
